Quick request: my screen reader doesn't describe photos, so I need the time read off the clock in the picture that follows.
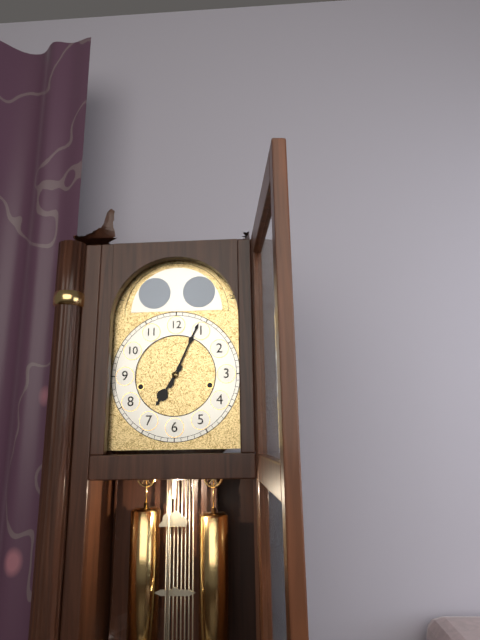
7:04
